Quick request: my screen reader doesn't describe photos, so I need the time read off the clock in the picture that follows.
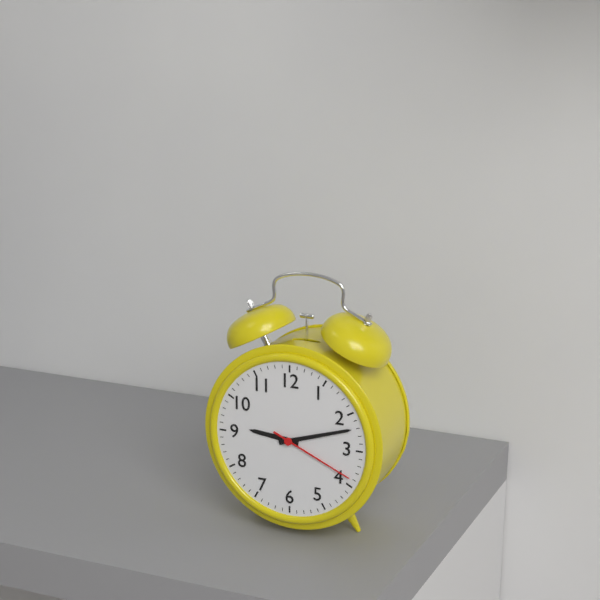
9:12:19
